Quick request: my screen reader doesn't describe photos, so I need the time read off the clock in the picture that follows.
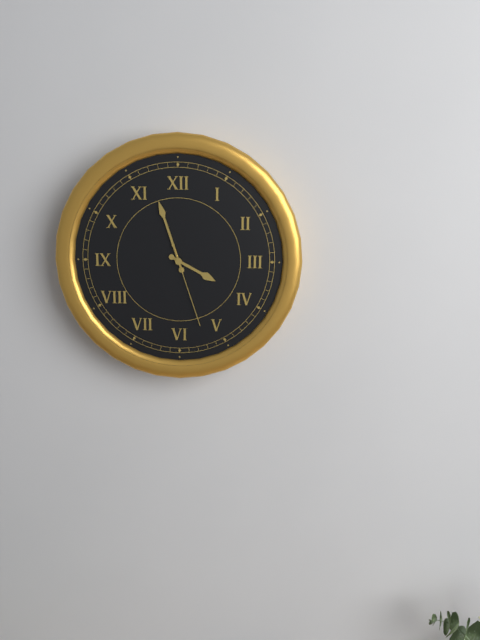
3:57:27
